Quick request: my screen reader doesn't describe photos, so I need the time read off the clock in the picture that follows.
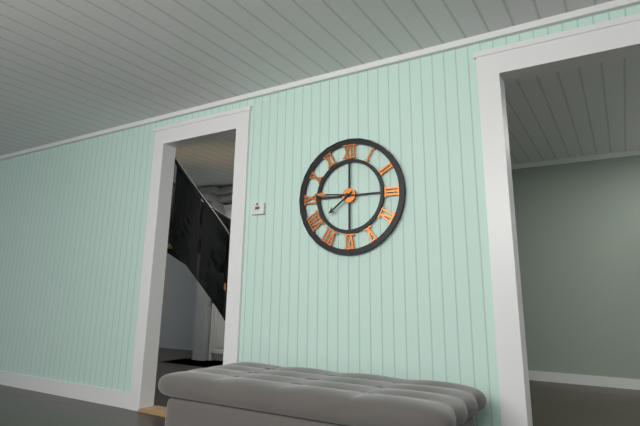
7:46
